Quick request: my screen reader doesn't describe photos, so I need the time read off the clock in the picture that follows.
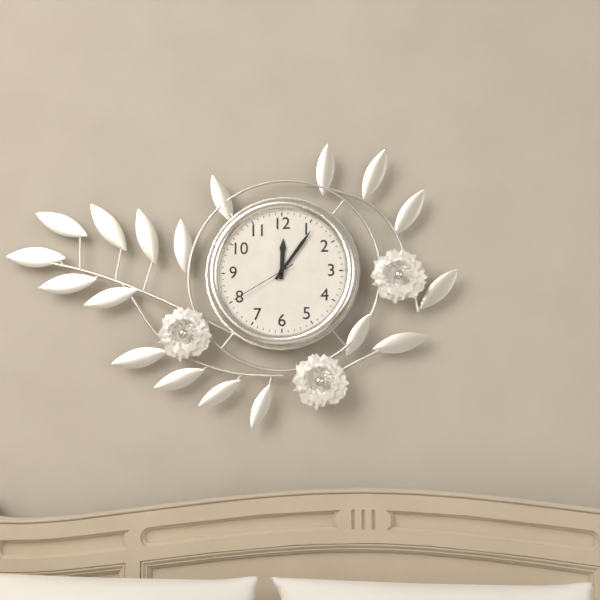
12:06:40
